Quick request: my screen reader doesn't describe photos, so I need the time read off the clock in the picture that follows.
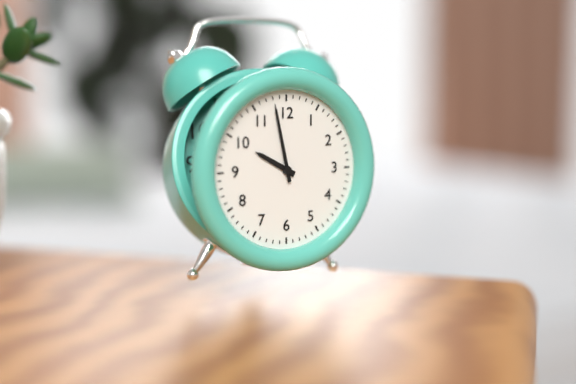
9:58
